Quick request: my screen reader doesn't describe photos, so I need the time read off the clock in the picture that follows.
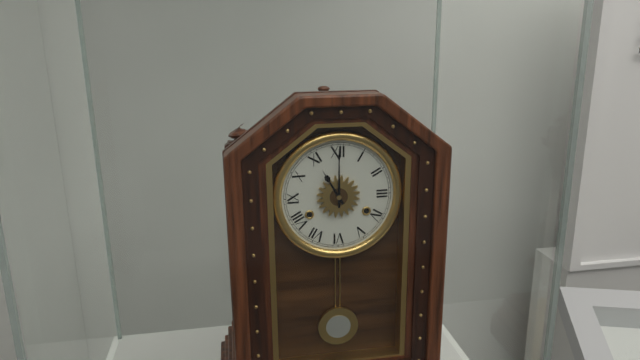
11:00
